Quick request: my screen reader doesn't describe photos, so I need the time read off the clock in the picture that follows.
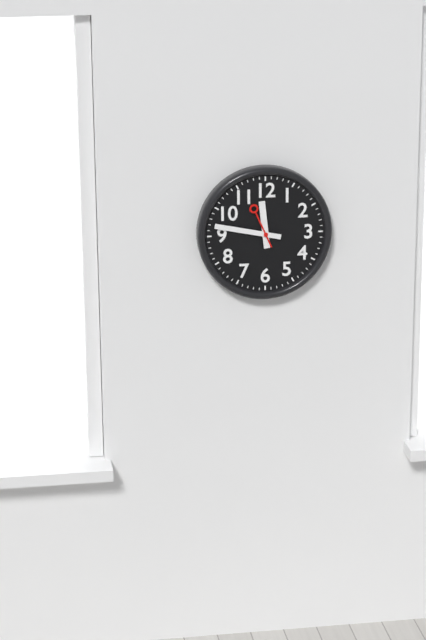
11:47
